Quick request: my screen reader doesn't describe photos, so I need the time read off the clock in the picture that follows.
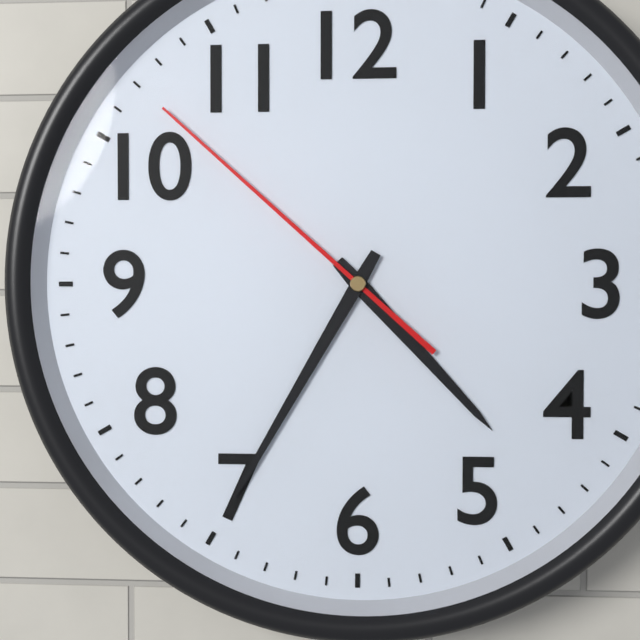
4:35:52
